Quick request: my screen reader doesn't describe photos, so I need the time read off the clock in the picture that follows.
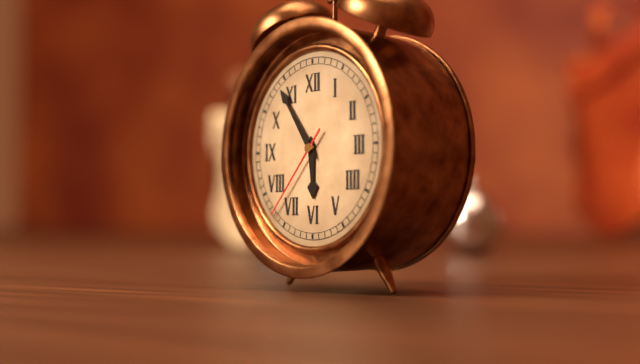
5:54:37
